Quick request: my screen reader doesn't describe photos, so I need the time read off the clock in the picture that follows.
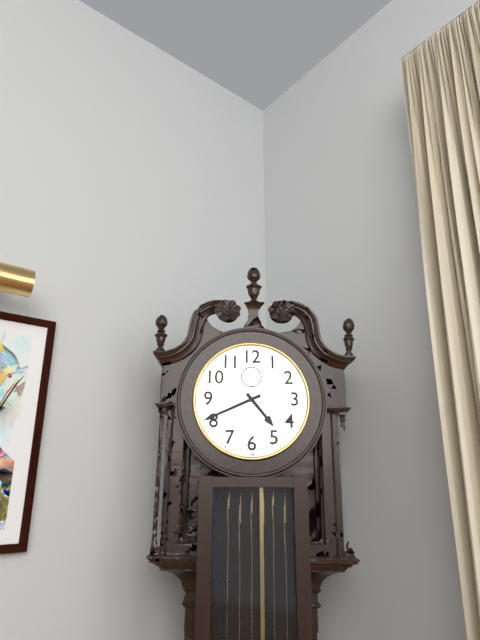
4:41
